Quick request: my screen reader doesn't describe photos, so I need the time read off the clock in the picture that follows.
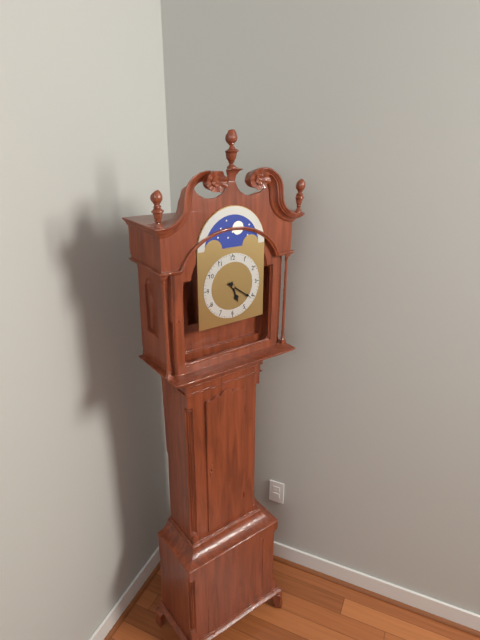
5:21
